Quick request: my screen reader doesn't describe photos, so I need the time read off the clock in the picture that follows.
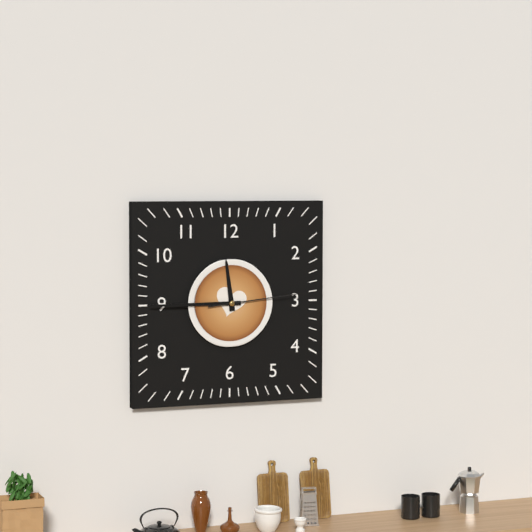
11:45:14
